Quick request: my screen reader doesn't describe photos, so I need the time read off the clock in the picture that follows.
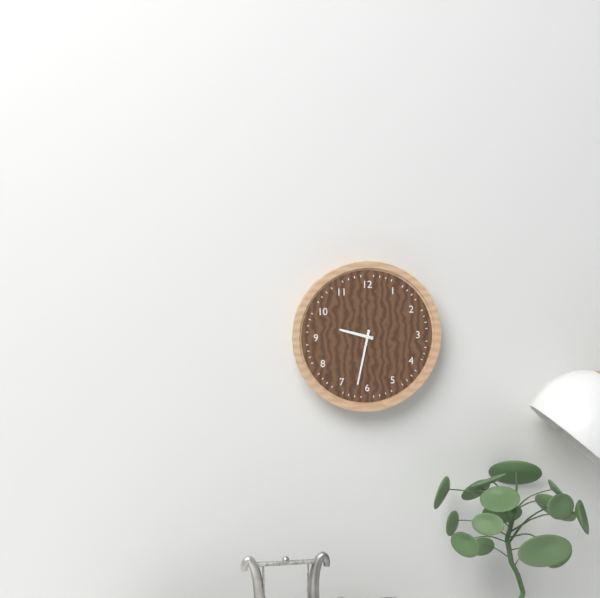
9:32
